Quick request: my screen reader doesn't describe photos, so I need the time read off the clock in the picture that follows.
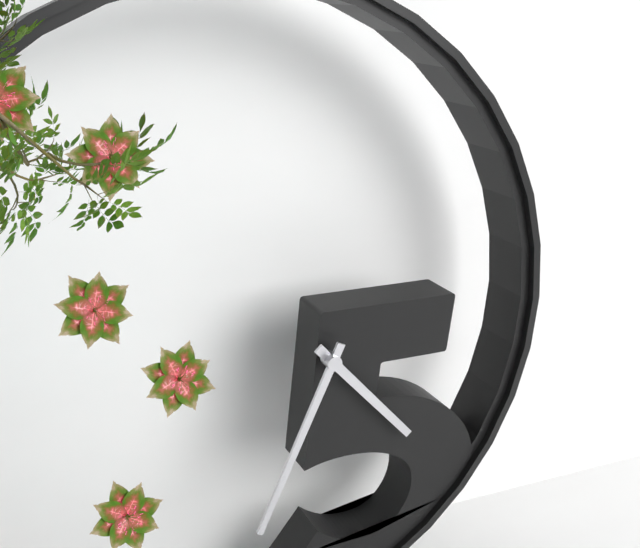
4:34
